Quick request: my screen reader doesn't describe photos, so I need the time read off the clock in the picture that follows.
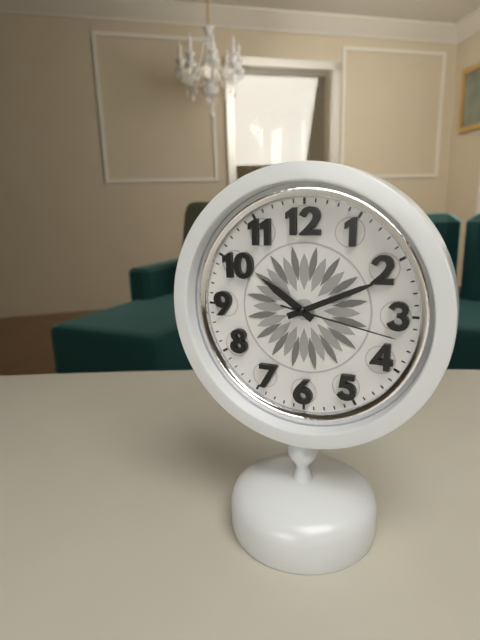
10:11:17
